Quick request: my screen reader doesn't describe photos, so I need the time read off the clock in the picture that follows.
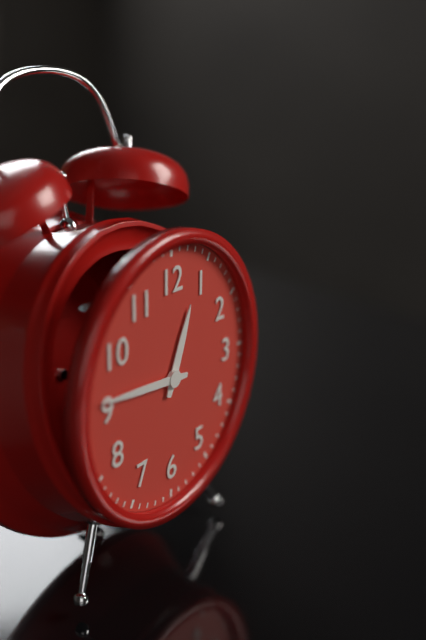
12:46
